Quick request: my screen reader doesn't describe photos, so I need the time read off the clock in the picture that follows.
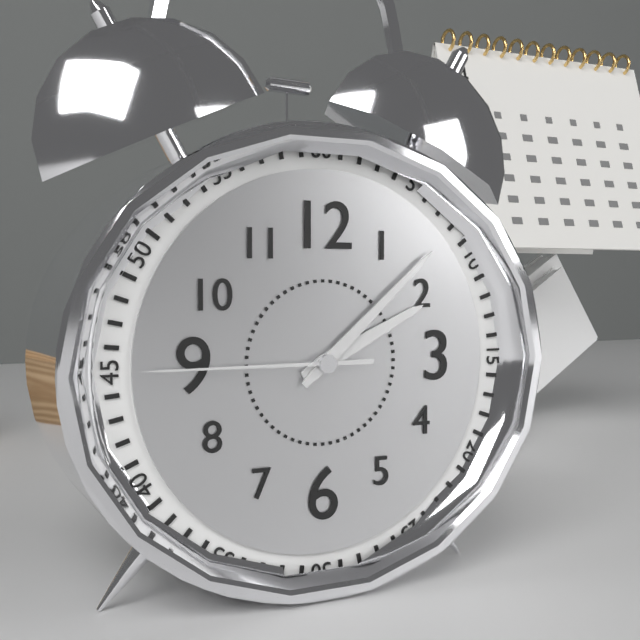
2:08:45
